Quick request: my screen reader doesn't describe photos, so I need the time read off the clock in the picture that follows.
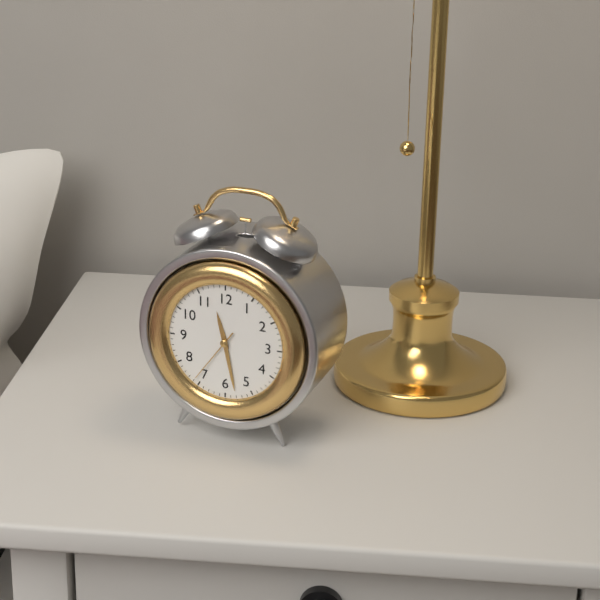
11:28:36
